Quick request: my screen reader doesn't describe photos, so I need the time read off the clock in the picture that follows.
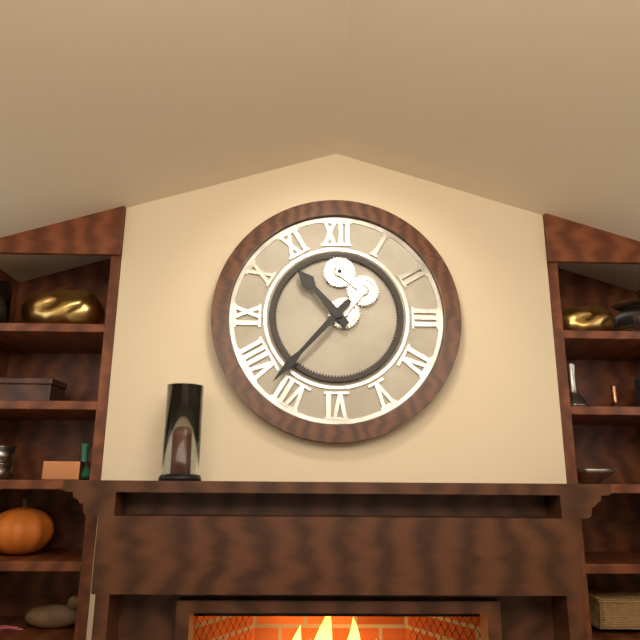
10:37
